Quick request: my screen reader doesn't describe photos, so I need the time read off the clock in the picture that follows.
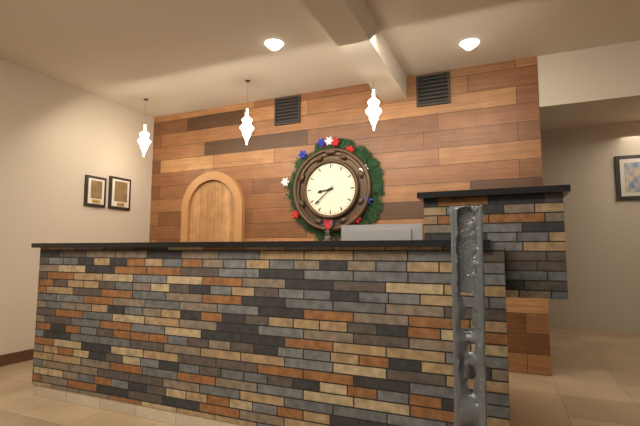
8:38
